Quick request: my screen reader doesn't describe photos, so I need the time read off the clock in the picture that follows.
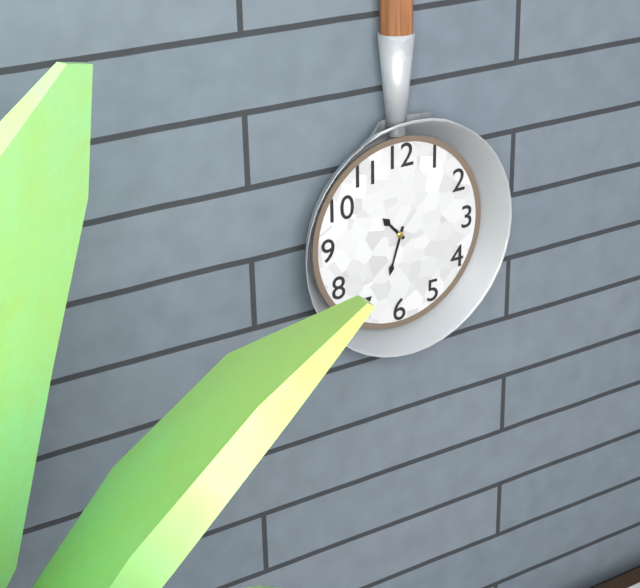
10:33
